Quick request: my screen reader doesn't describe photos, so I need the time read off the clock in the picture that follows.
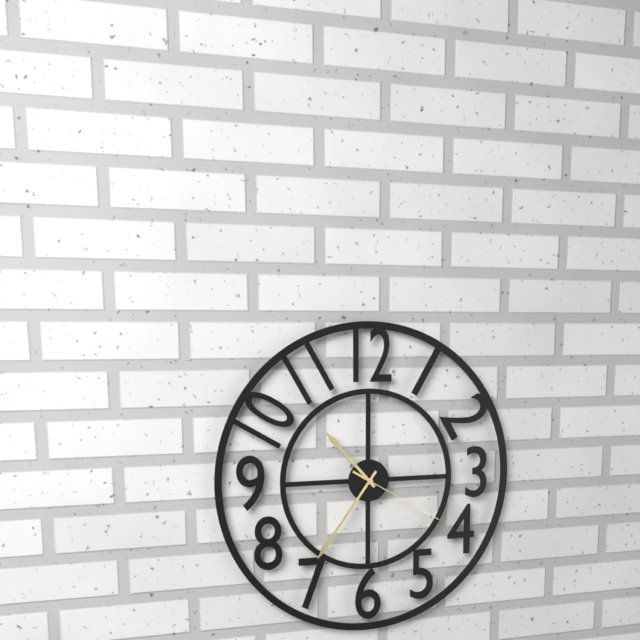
10:36:20
